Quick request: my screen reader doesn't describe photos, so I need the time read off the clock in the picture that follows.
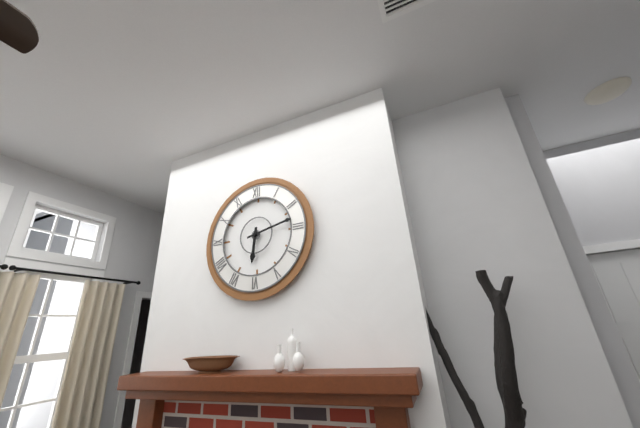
6:13
